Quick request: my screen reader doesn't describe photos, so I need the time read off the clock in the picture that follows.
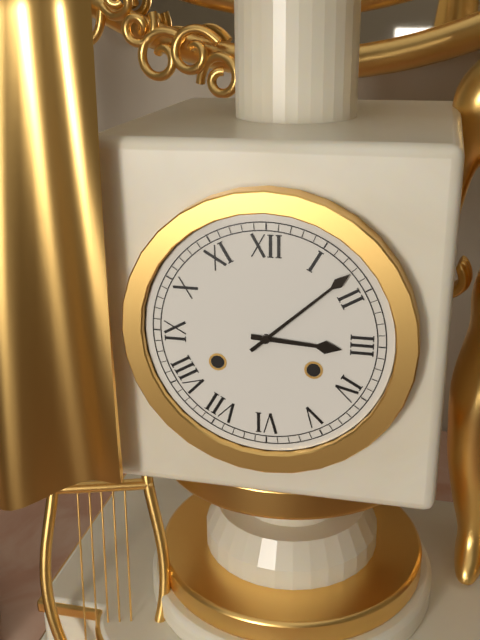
3:08
